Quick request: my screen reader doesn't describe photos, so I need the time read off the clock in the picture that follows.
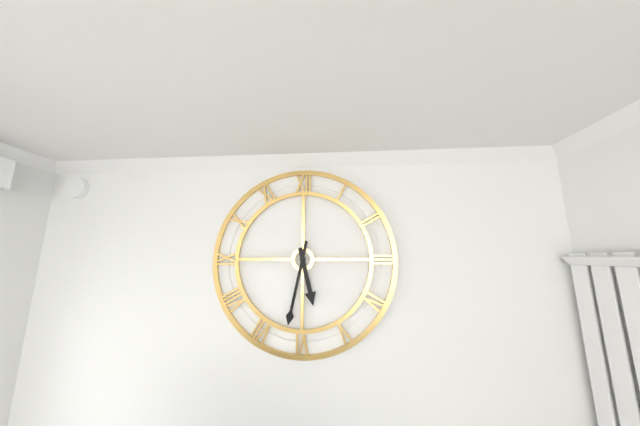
5:32
